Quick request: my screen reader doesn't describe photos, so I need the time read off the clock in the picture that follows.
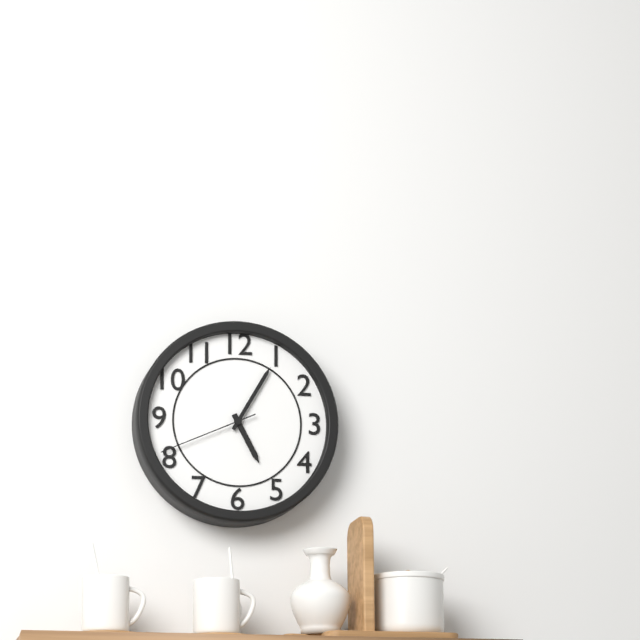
5:05:41
